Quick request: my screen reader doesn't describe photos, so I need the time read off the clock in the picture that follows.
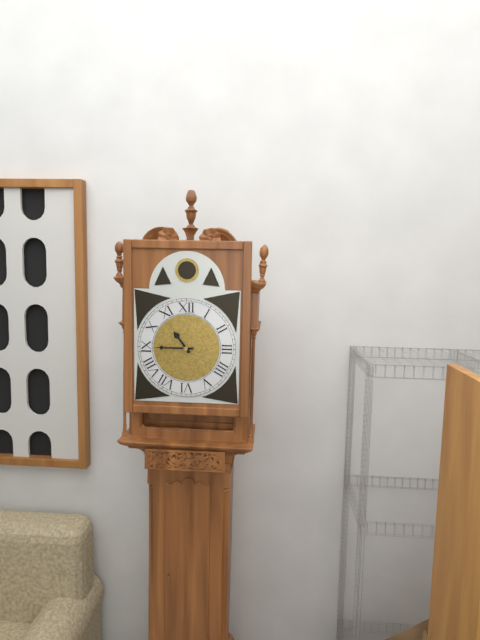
10:45
